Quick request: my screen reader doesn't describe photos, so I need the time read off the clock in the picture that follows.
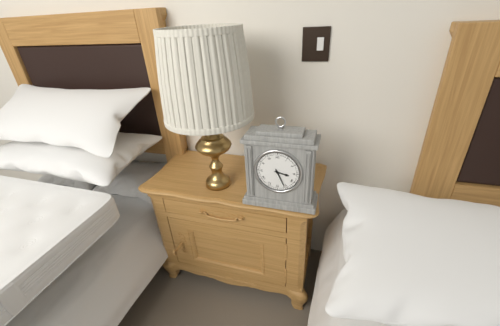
3:26
